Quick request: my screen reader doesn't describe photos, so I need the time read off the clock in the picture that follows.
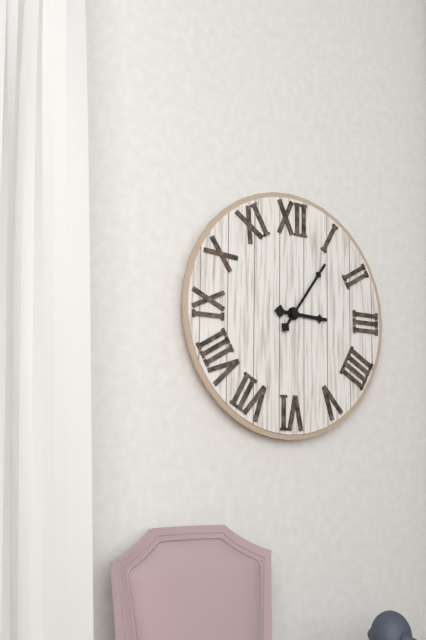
3:06
